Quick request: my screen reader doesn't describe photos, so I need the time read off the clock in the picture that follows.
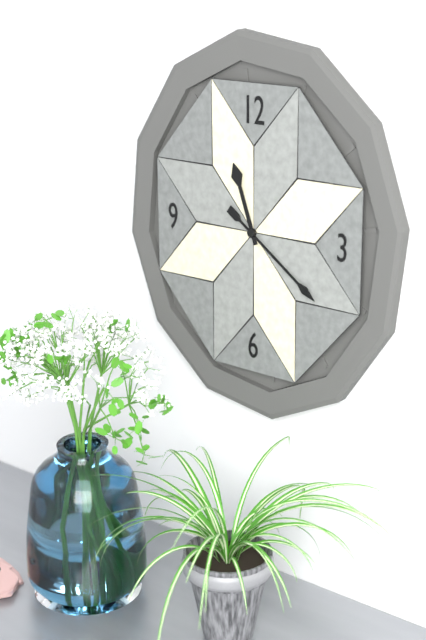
11:21
